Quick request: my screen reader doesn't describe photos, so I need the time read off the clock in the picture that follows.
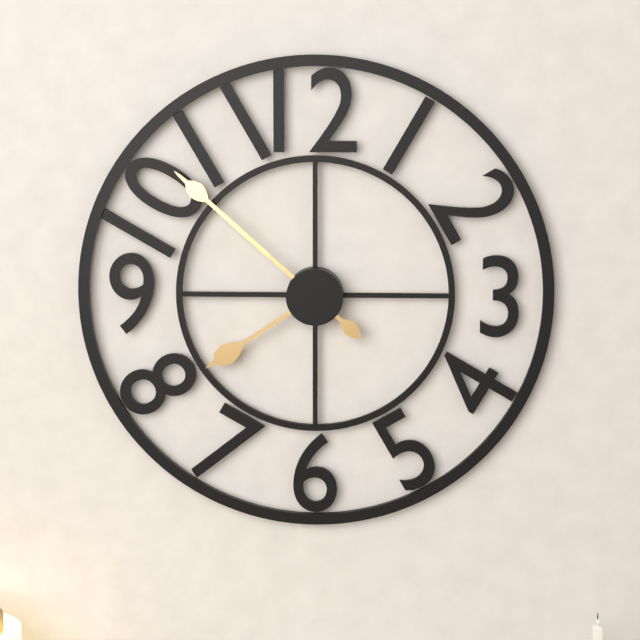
7:52
